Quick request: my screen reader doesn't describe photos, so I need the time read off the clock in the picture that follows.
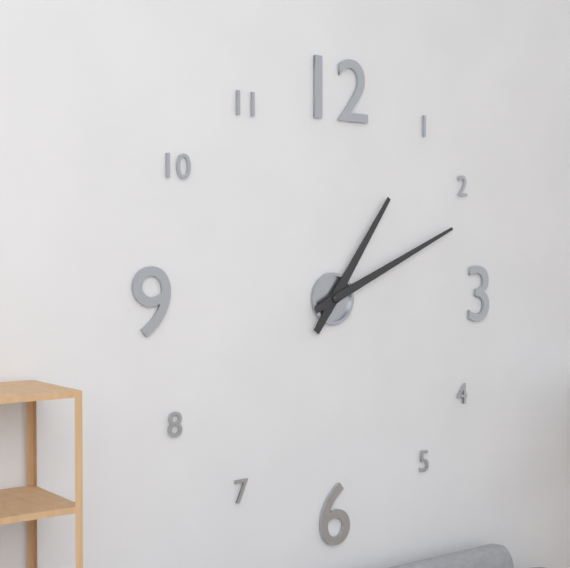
1:11
